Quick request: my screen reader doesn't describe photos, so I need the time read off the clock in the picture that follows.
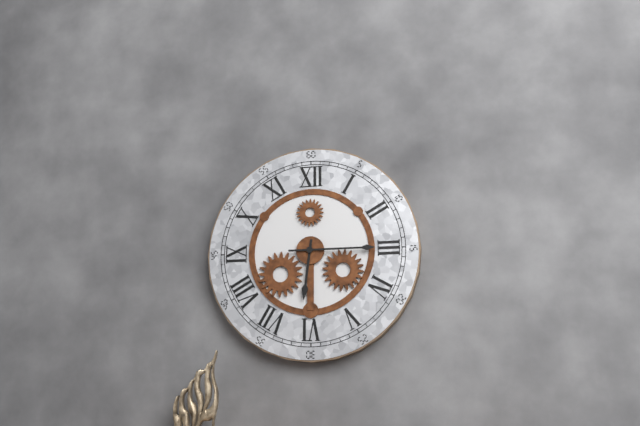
6:15
